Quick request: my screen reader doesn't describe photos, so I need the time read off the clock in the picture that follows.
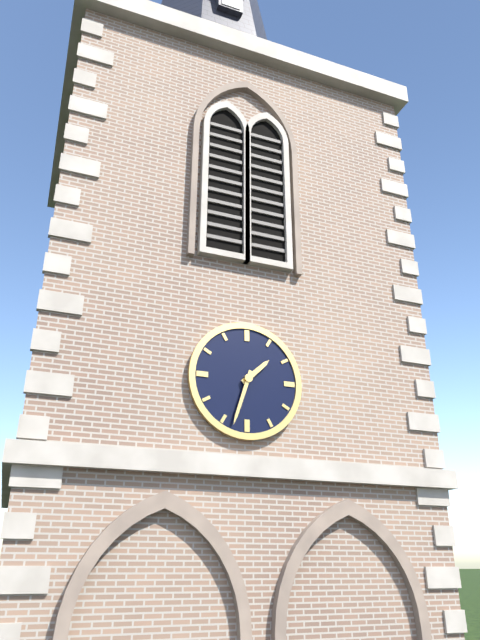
1:33
